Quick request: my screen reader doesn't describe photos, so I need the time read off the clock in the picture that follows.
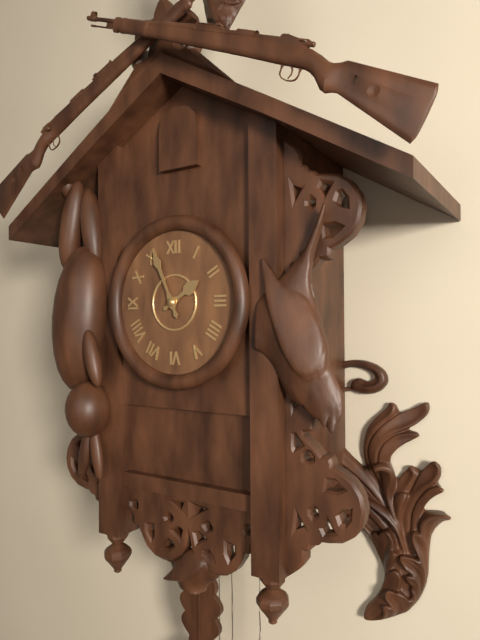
1:56
